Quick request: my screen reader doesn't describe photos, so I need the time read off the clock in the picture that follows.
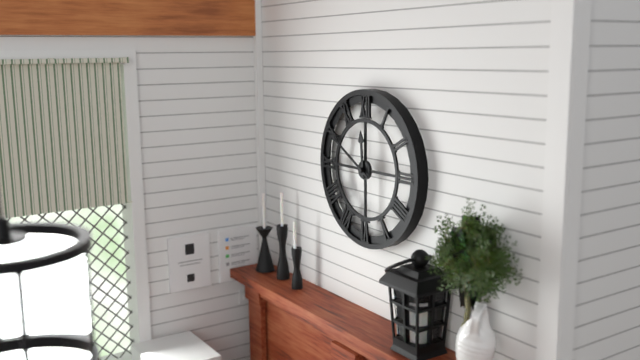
11:50
